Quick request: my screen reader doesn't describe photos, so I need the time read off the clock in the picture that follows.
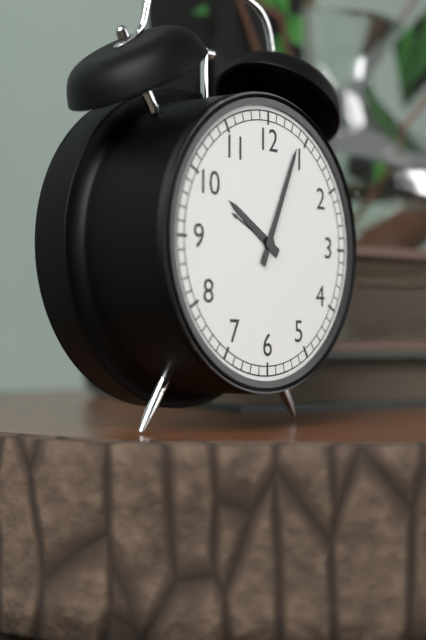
10:04
